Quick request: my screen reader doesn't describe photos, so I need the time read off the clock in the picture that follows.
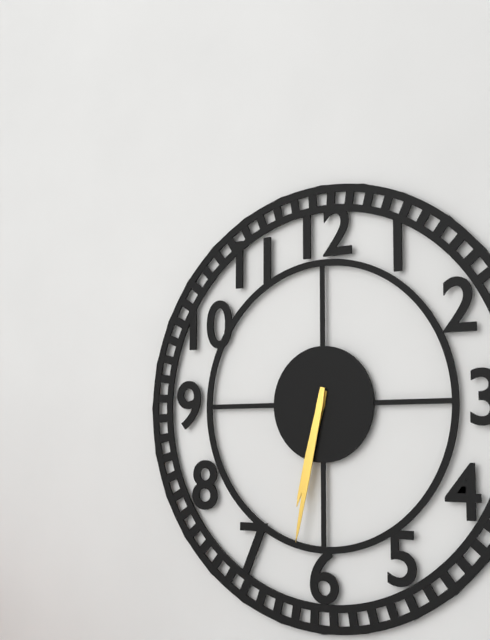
6:32
